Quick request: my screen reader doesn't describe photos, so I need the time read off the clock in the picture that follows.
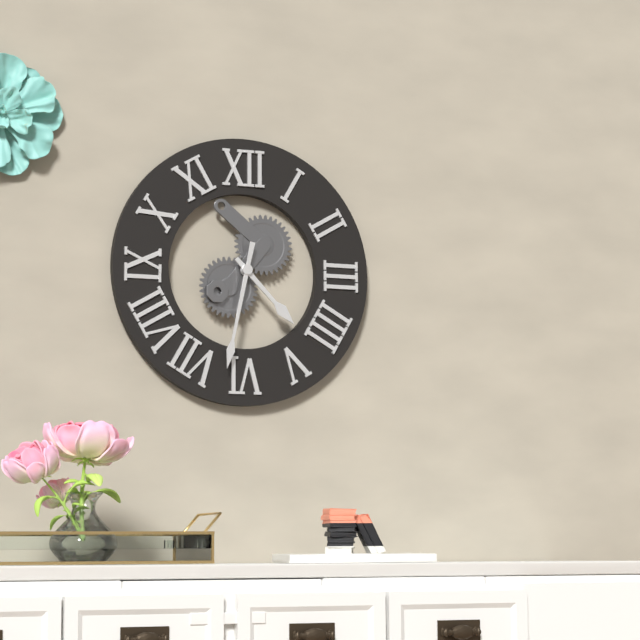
4:32
